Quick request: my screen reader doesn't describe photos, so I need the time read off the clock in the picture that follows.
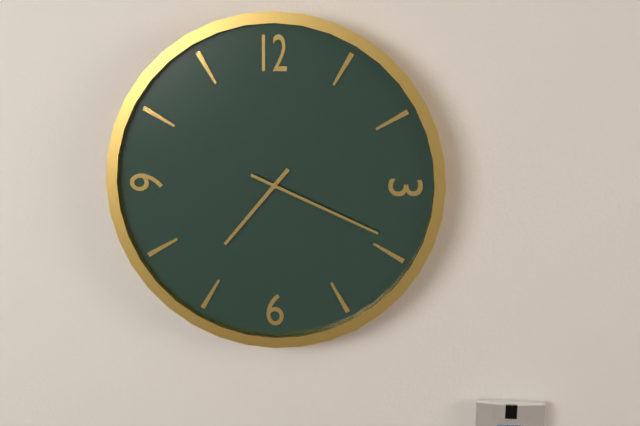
7:19
